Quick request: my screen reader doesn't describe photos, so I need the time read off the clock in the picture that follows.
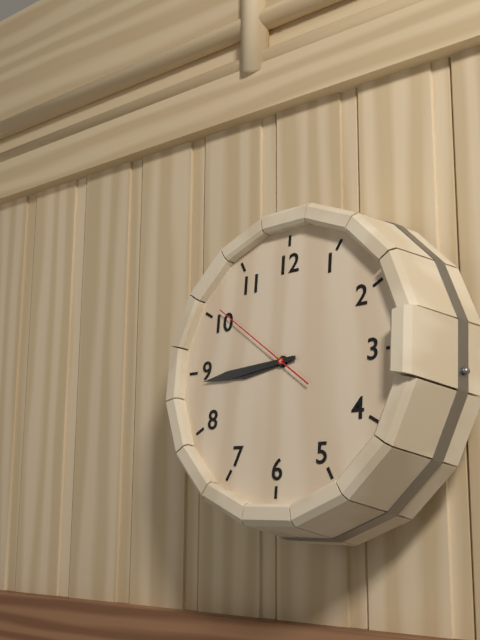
8:44:51
